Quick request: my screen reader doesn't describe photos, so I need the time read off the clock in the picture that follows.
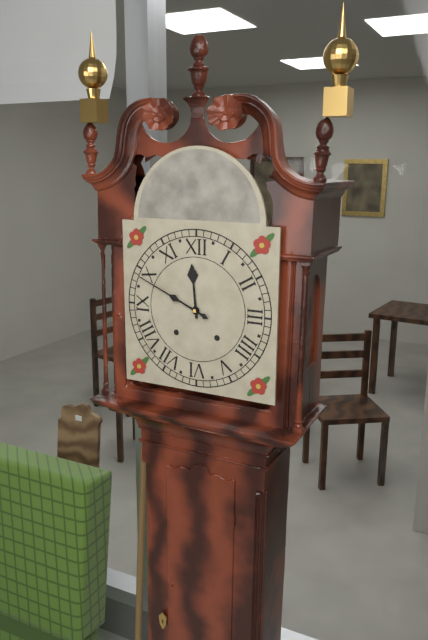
11:49
